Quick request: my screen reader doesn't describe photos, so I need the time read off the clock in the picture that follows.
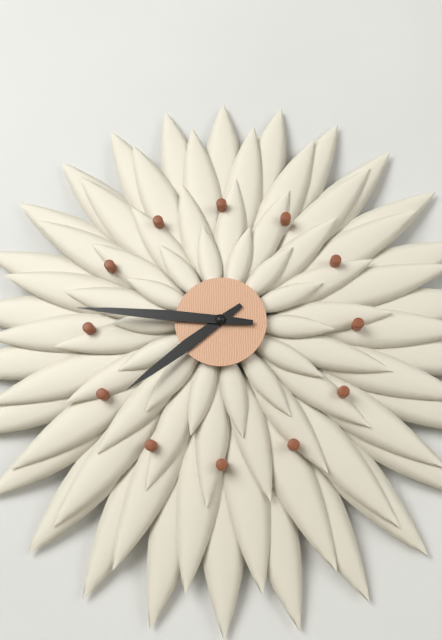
7:46
